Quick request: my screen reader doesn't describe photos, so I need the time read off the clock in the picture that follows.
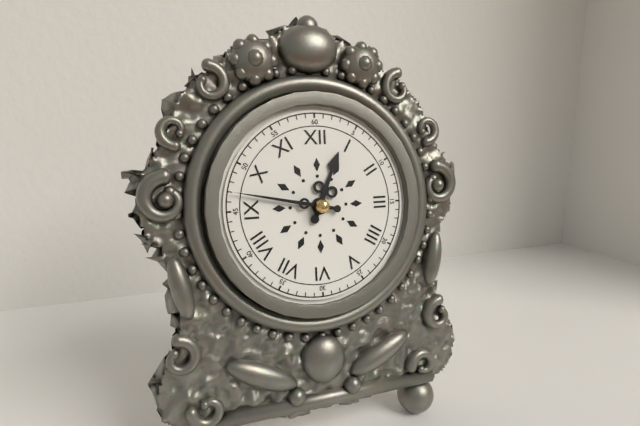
12:47
